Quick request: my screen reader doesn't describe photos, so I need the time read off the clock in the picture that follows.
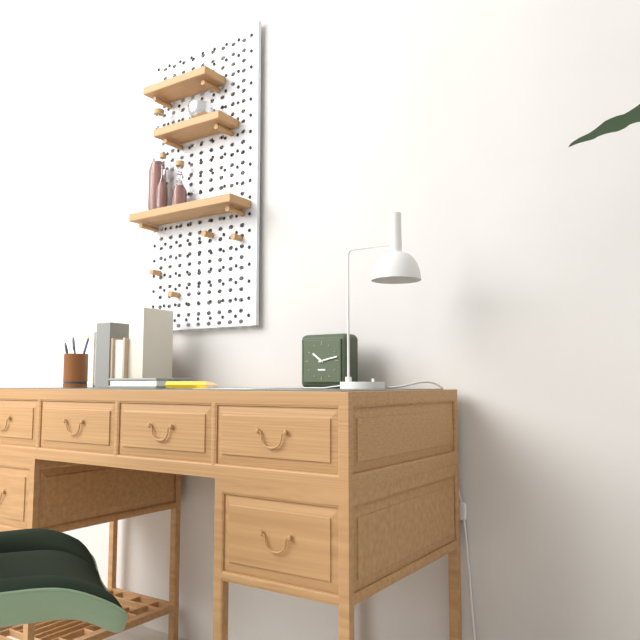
10:13
